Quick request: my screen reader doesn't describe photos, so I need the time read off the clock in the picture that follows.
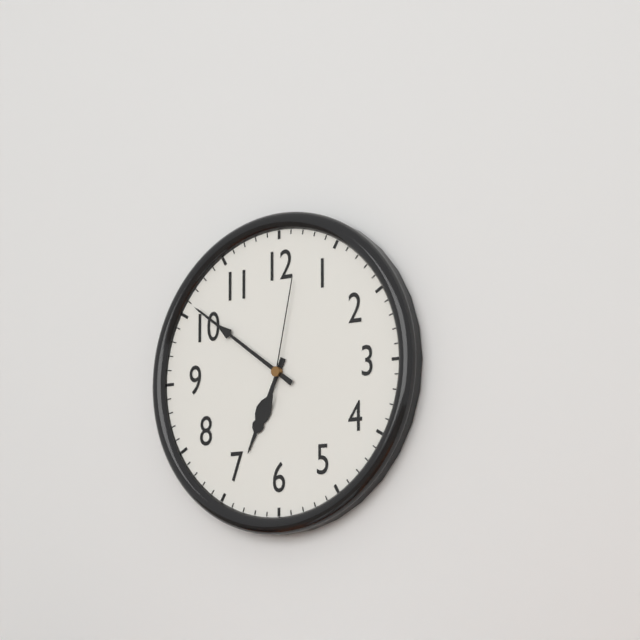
6:51:02
